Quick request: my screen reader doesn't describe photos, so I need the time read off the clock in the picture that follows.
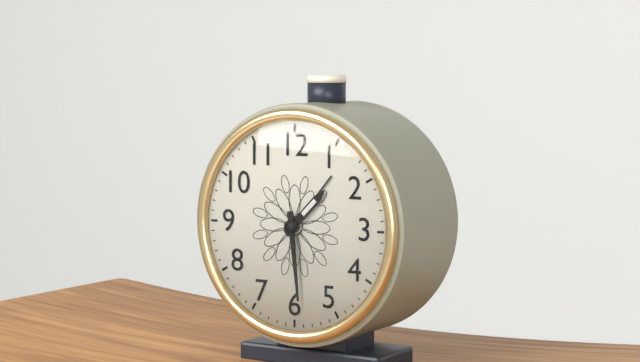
1:29
